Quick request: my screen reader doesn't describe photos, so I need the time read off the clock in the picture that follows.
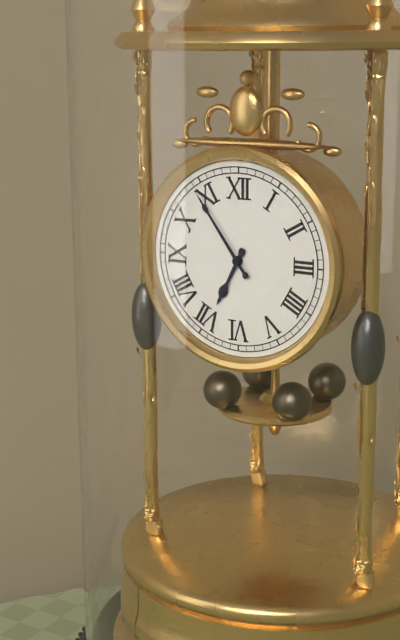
6:54
